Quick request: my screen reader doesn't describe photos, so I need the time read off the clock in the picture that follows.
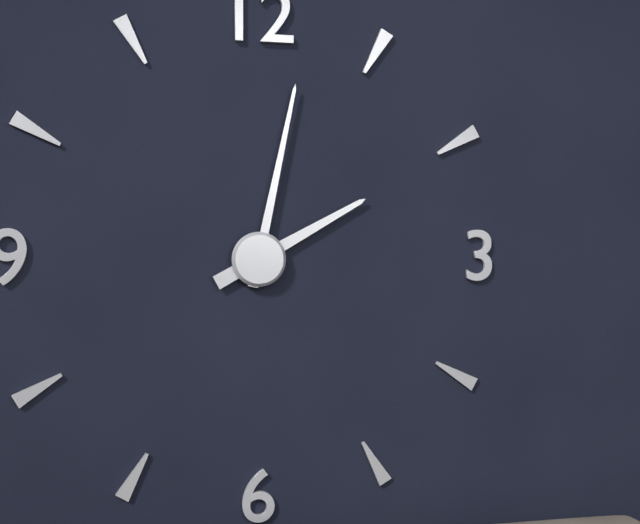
2:02
